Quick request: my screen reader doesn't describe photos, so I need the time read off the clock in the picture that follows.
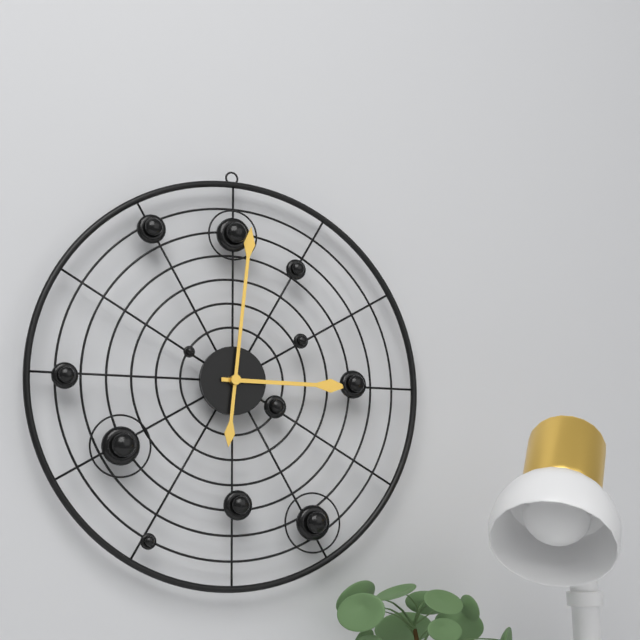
3:01
